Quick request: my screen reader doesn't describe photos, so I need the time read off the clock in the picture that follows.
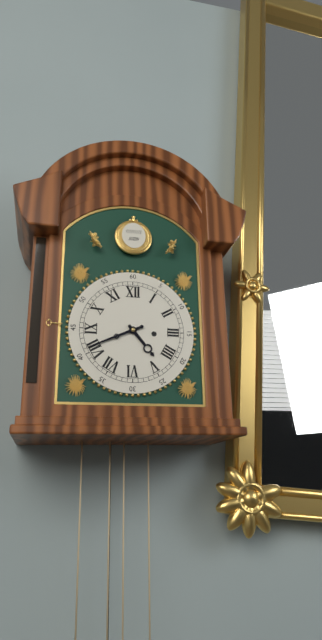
4:41
